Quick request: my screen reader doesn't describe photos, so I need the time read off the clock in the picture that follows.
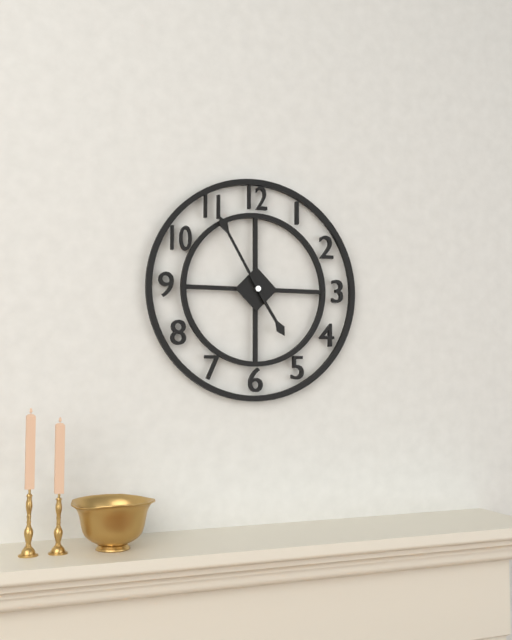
4:55
